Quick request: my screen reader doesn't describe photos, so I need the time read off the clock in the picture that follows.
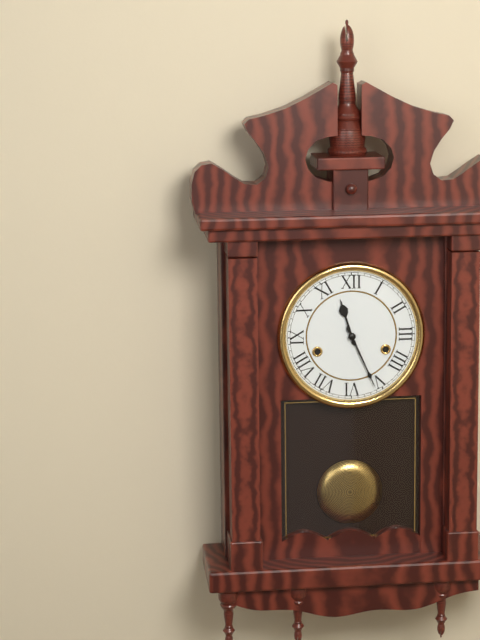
11:26
